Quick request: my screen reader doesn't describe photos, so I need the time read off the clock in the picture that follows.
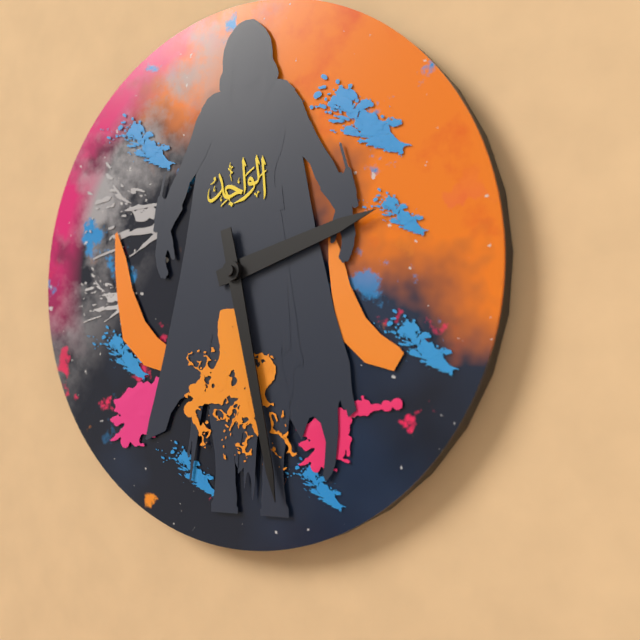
2:28
